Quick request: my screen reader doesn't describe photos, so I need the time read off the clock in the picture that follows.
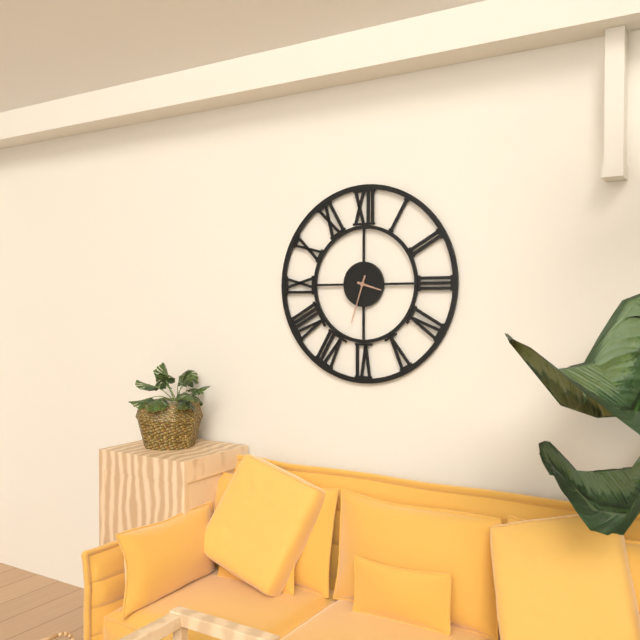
3:33
